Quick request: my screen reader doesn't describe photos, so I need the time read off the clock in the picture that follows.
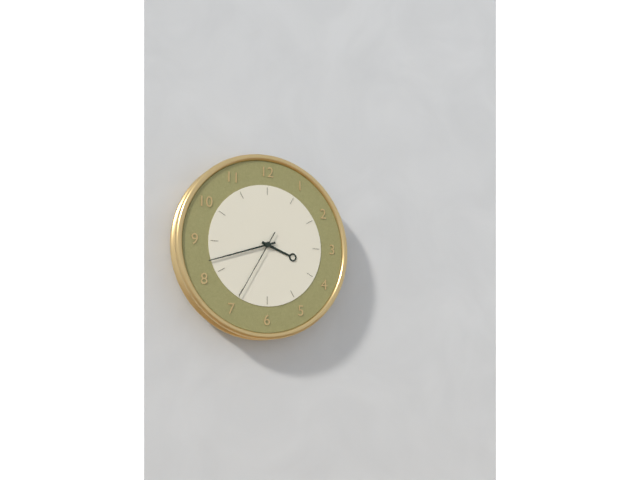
3:42:35
